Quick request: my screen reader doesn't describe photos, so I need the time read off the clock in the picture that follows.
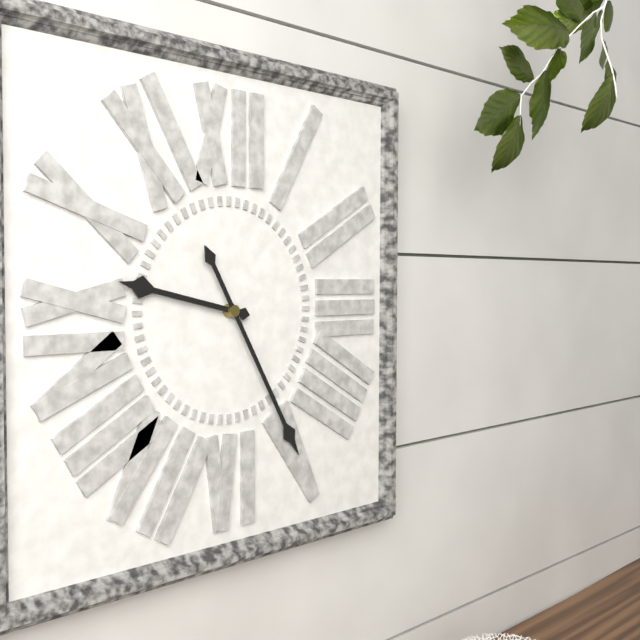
9:25
